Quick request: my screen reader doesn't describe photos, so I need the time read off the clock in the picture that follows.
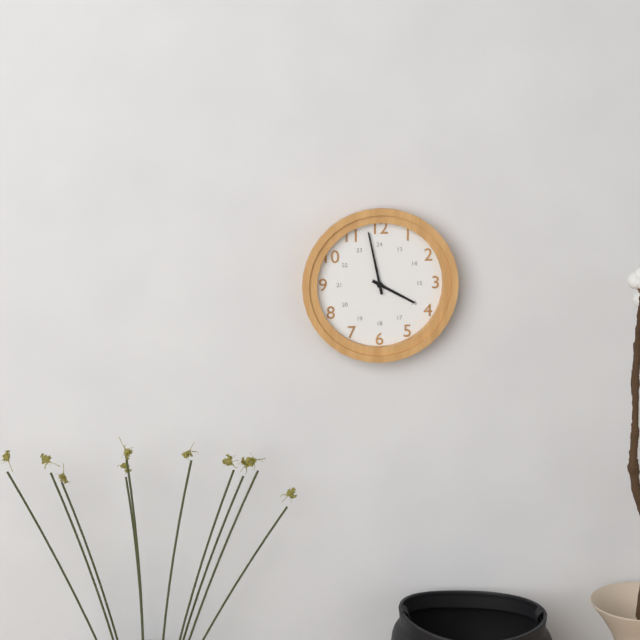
3:58
